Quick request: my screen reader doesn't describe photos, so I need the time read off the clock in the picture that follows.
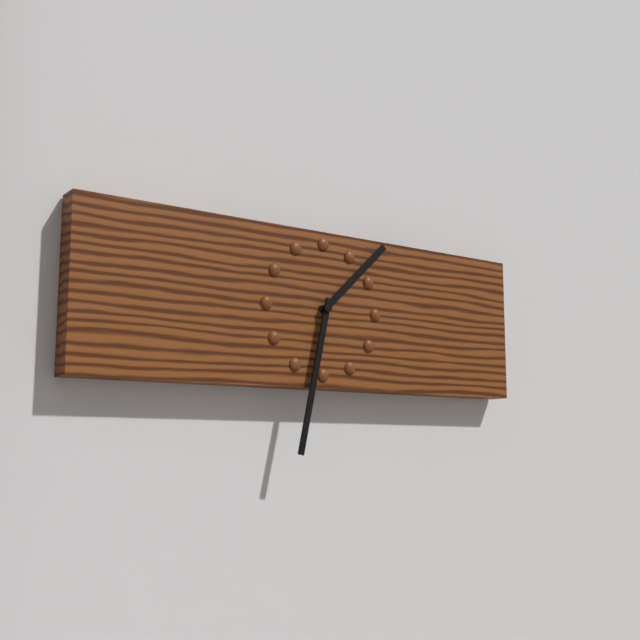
1:32
